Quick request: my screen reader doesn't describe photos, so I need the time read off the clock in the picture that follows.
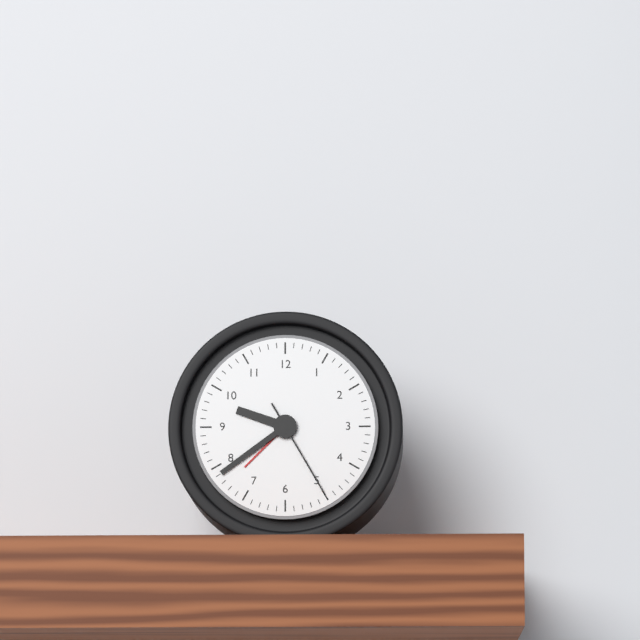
9:39:25
